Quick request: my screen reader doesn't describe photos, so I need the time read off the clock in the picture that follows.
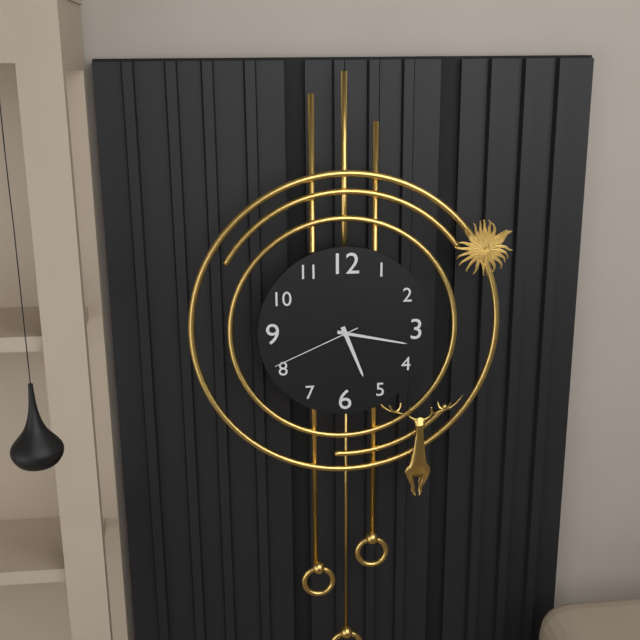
5:17:41
